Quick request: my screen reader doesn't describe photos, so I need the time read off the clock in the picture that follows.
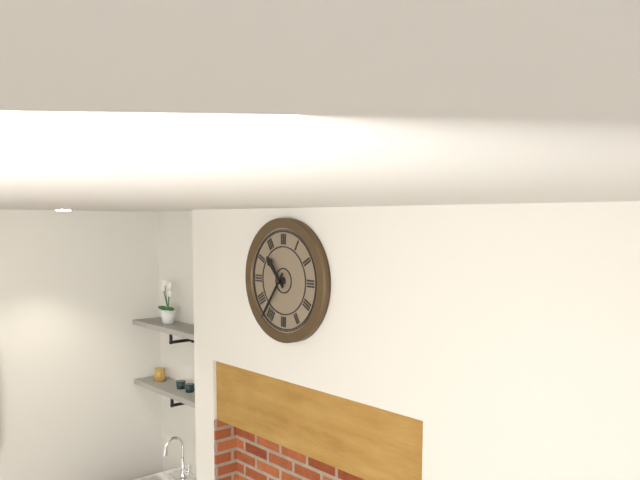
10:36
